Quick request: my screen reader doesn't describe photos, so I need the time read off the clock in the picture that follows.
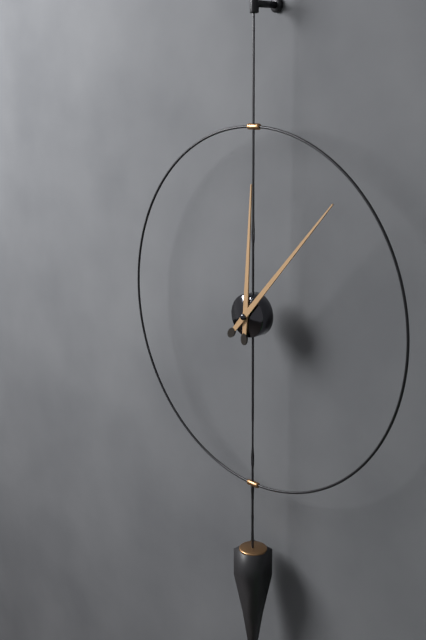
12:07
